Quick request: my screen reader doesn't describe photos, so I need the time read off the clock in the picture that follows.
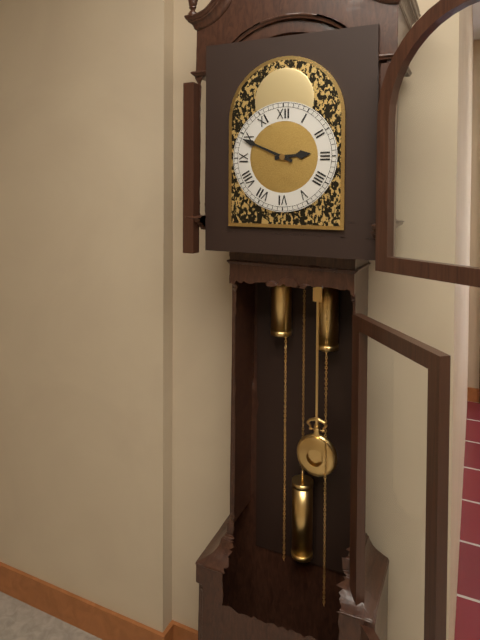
2:49
